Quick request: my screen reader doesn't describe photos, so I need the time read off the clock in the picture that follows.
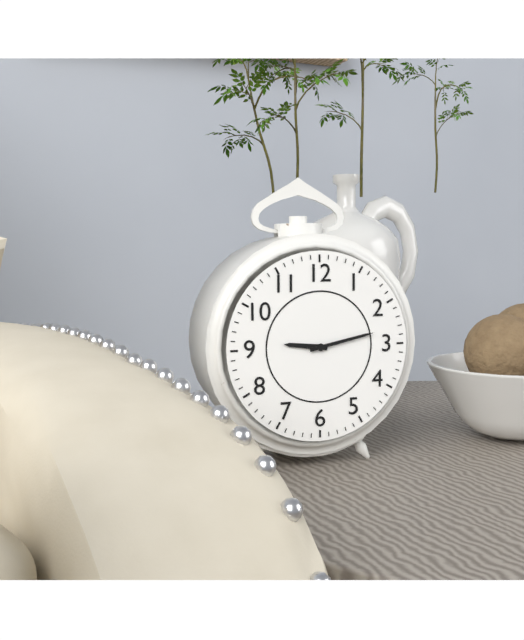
9:13
